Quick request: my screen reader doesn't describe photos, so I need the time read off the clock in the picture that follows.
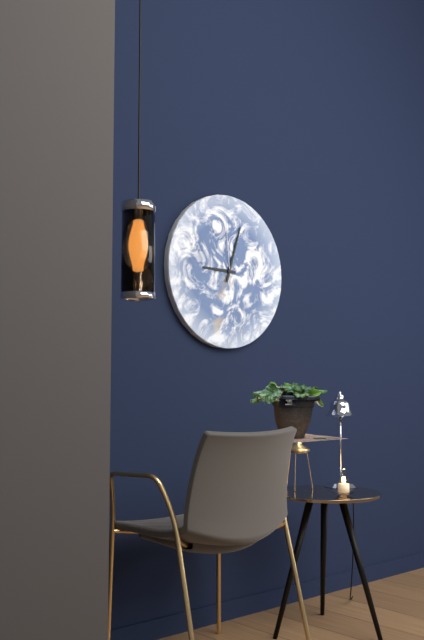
9:03:59
